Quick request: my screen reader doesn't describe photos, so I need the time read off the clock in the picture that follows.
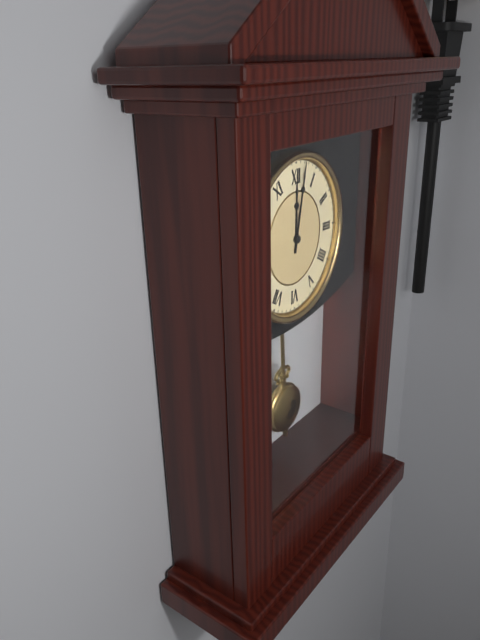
12:02
